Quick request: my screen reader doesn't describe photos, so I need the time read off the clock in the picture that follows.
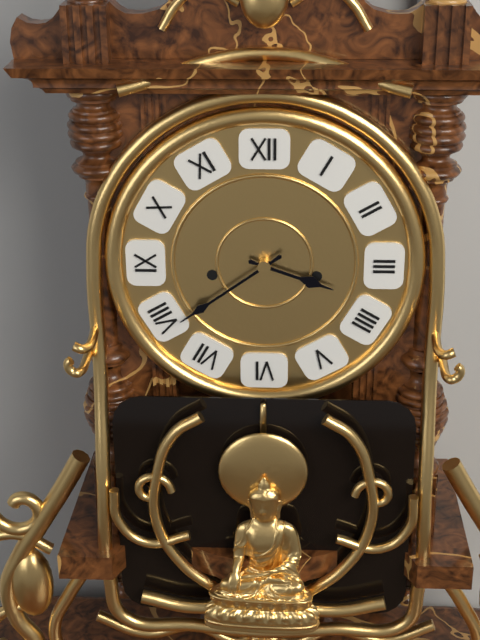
3:39
